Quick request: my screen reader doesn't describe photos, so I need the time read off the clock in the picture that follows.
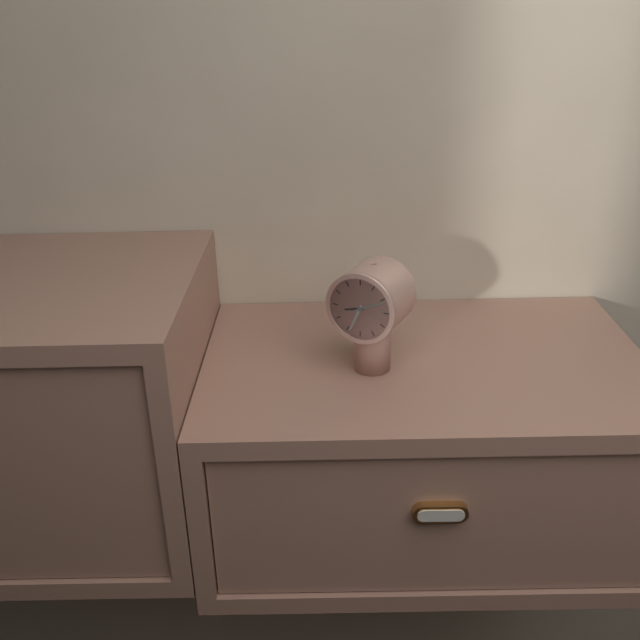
8:34
